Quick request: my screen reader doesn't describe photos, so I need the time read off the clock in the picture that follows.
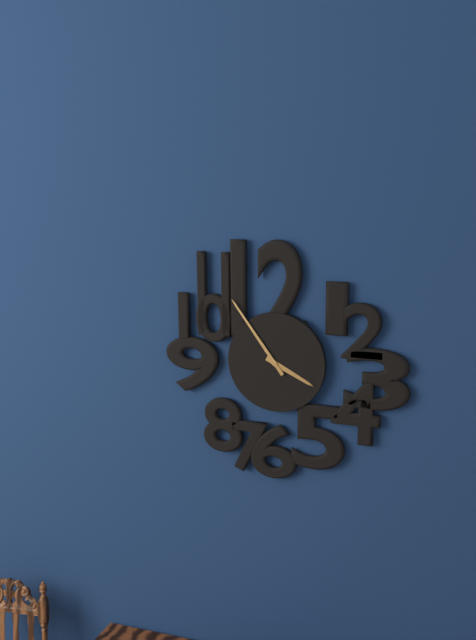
3:54
